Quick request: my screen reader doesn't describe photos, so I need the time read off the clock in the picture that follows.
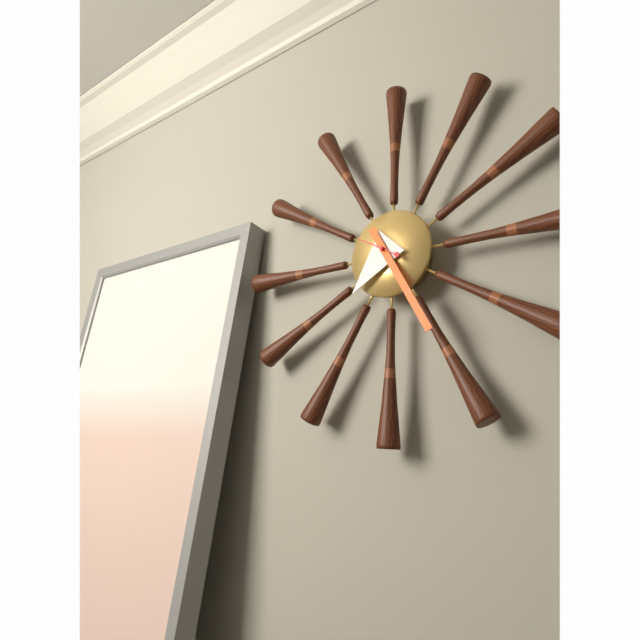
7:25:50
